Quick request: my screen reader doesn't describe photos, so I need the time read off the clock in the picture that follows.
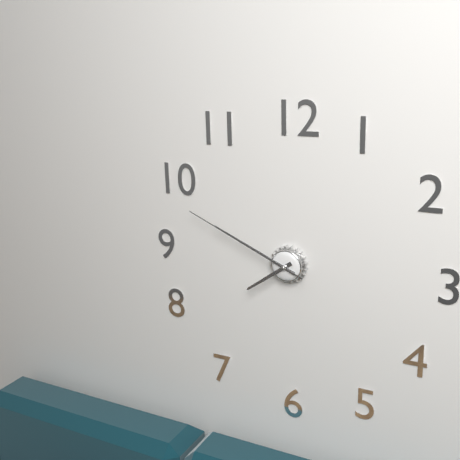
7:49:49
